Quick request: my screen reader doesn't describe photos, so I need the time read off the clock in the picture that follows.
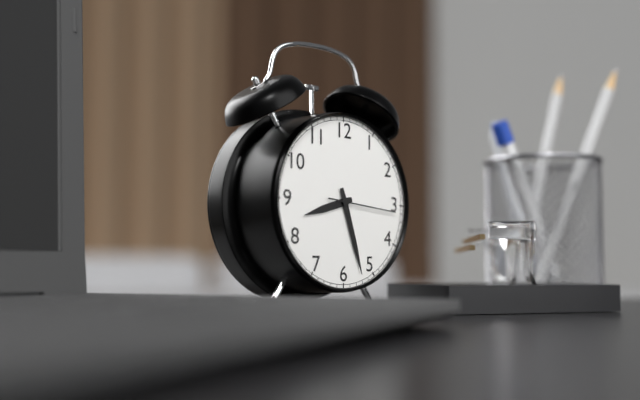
8:27:16
